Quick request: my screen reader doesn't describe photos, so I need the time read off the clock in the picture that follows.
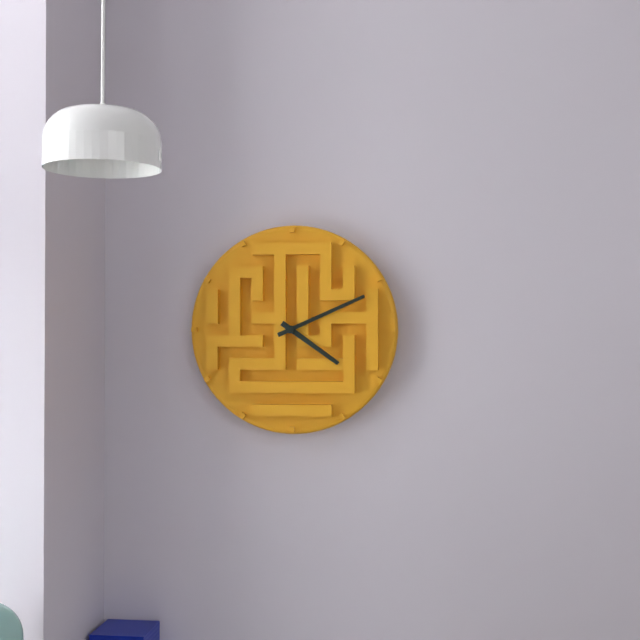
4:11
